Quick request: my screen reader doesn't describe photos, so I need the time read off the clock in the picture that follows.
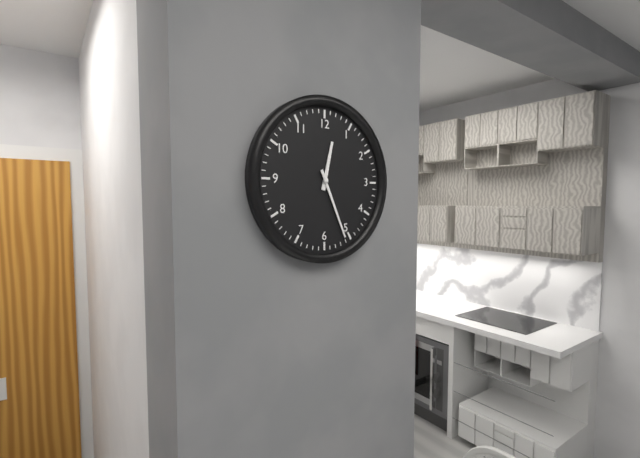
12:26
